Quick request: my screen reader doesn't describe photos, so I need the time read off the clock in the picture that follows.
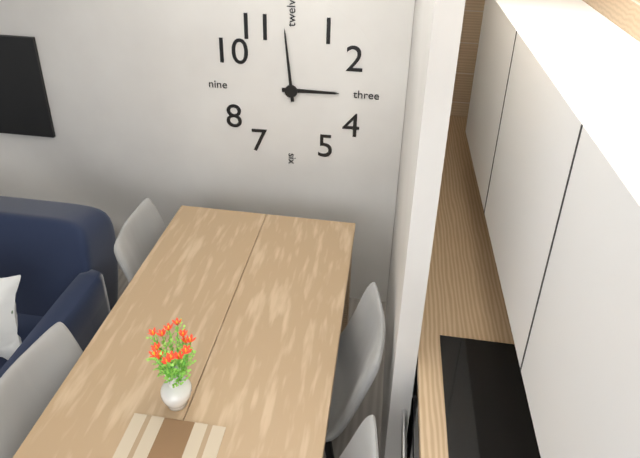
2:59
